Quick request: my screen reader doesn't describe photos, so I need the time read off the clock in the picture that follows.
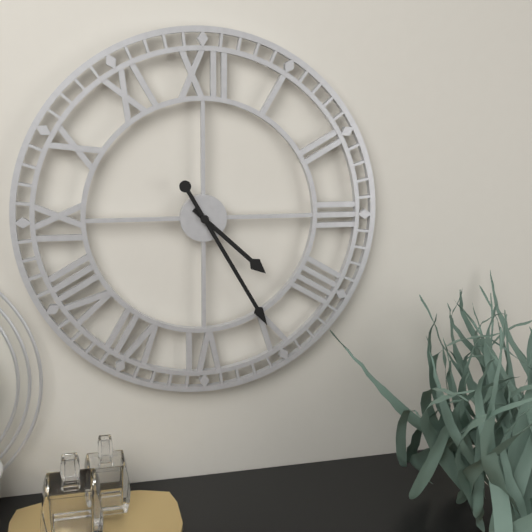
4:25
